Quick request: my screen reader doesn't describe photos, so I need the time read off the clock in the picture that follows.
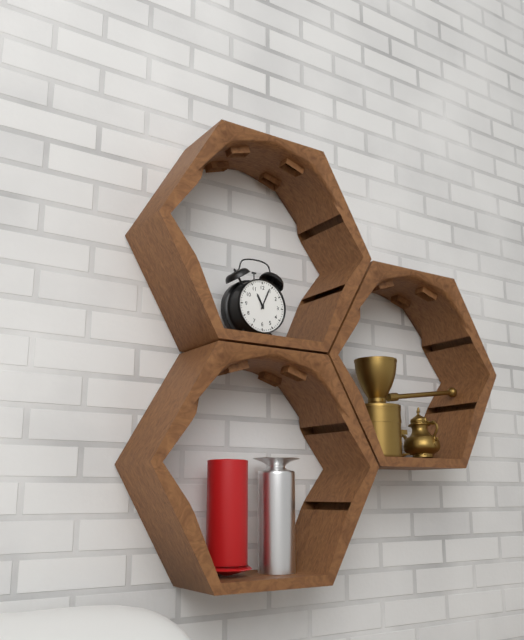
11:04
